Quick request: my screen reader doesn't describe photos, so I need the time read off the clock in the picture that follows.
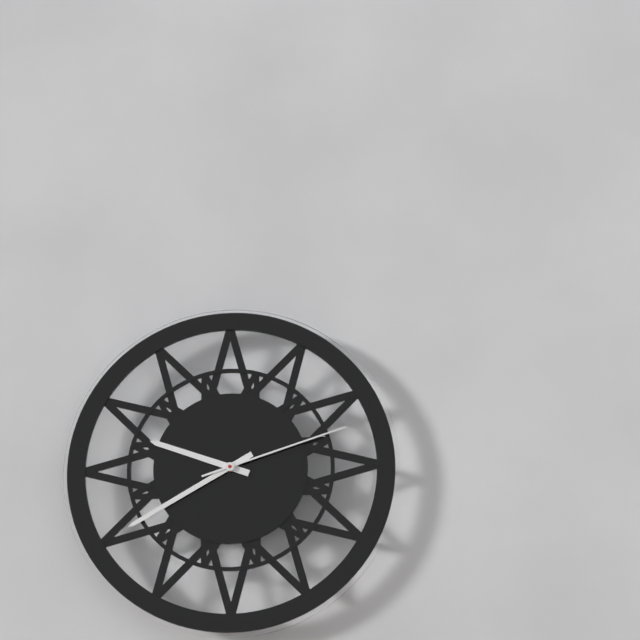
9:40:12
